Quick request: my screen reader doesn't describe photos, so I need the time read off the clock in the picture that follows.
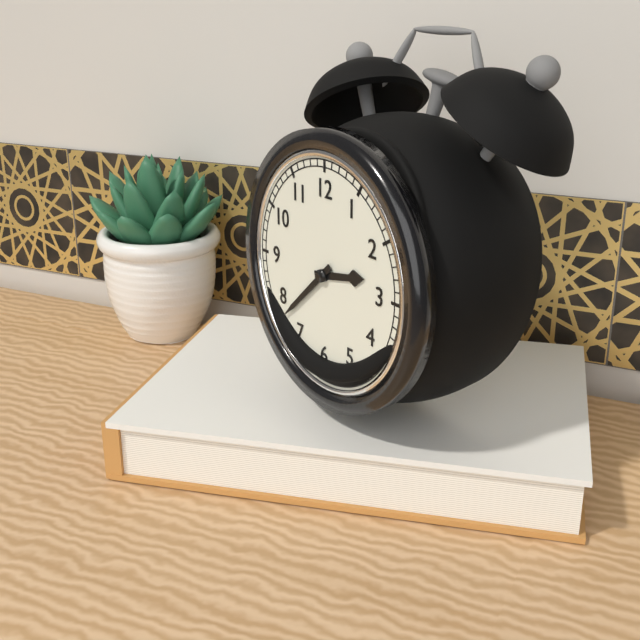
2:38
